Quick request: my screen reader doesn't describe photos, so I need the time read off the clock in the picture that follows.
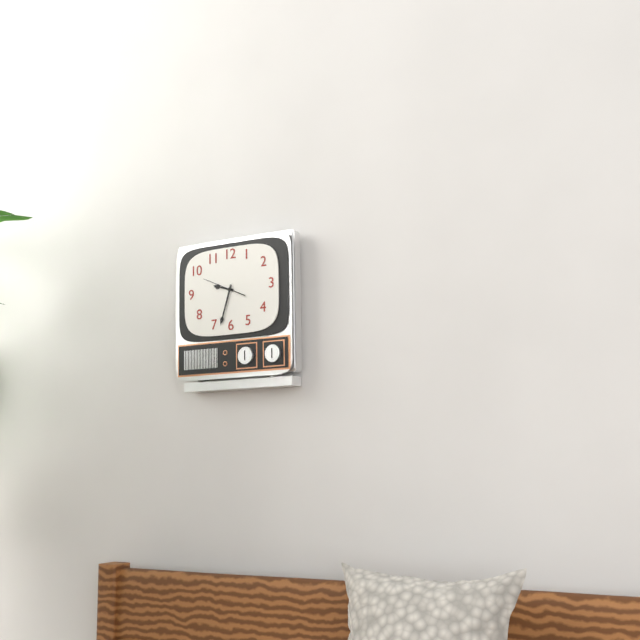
9:33
